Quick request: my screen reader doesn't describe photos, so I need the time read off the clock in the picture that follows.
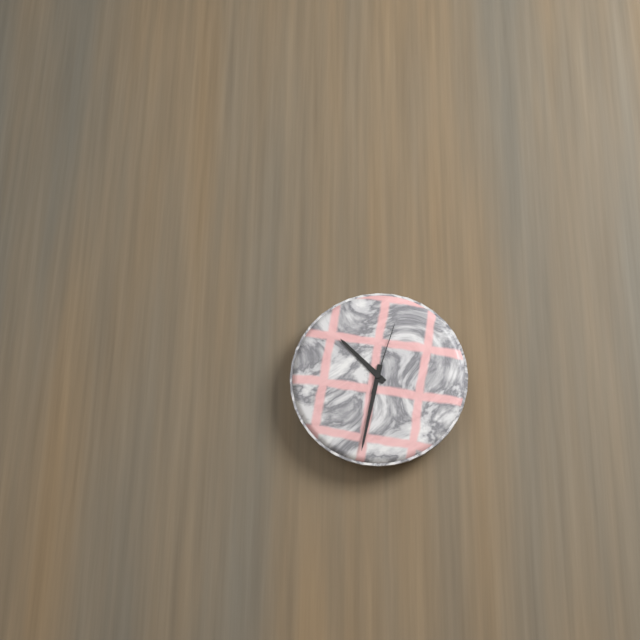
10:32:03
